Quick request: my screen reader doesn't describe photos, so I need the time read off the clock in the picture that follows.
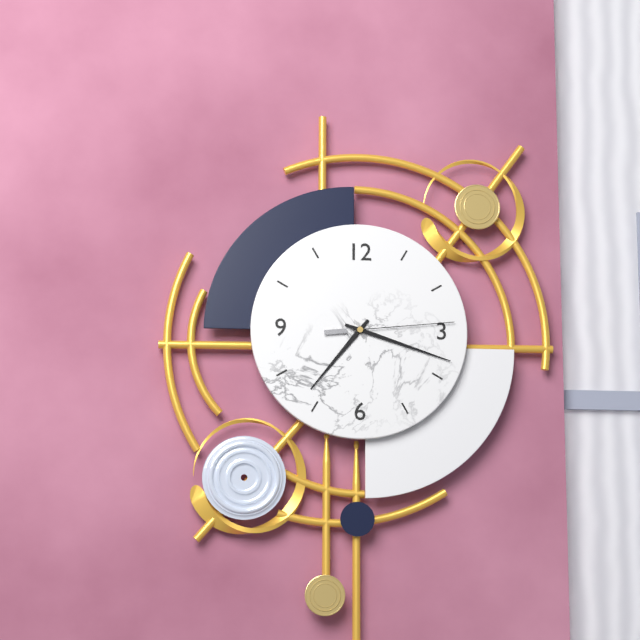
7:18:14
